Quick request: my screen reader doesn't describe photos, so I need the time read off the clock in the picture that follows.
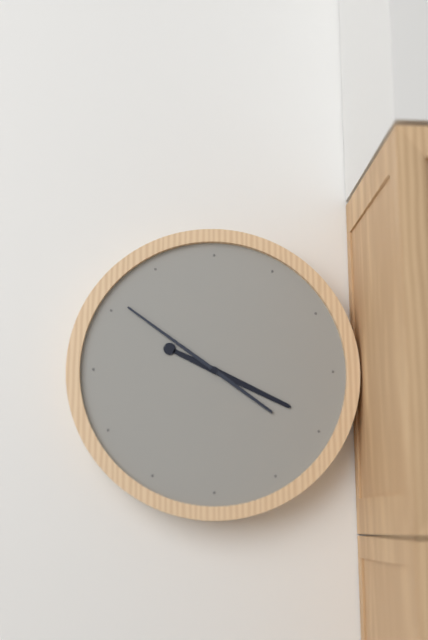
3:51
